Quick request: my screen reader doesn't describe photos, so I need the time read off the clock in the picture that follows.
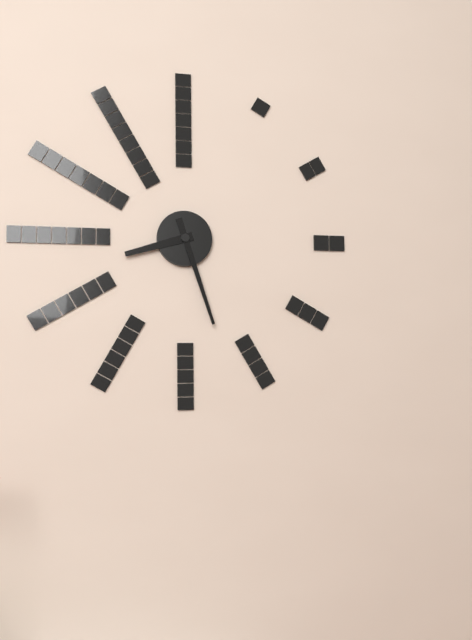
8:27
